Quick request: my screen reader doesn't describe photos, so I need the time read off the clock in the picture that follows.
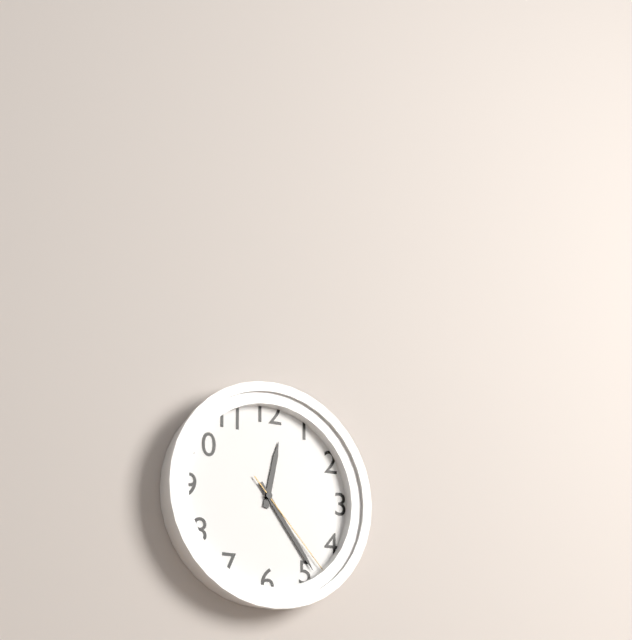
12:24:23
